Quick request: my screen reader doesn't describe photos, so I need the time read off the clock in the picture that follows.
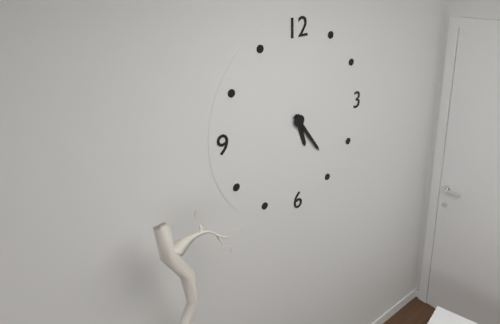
5:24
